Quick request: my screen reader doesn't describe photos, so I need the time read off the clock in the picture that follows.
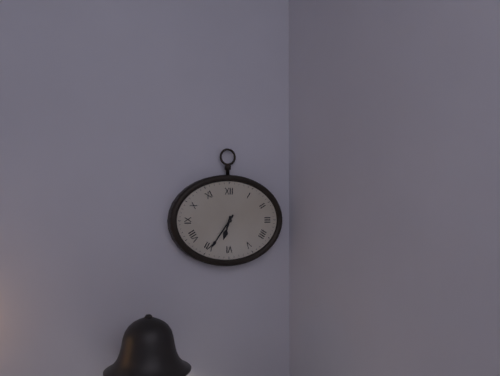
6:36
